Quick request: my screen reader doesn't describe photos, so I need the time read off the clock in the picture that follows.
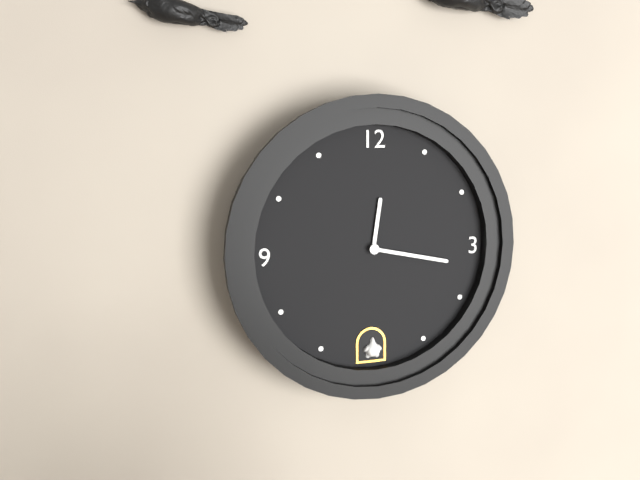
12:17
